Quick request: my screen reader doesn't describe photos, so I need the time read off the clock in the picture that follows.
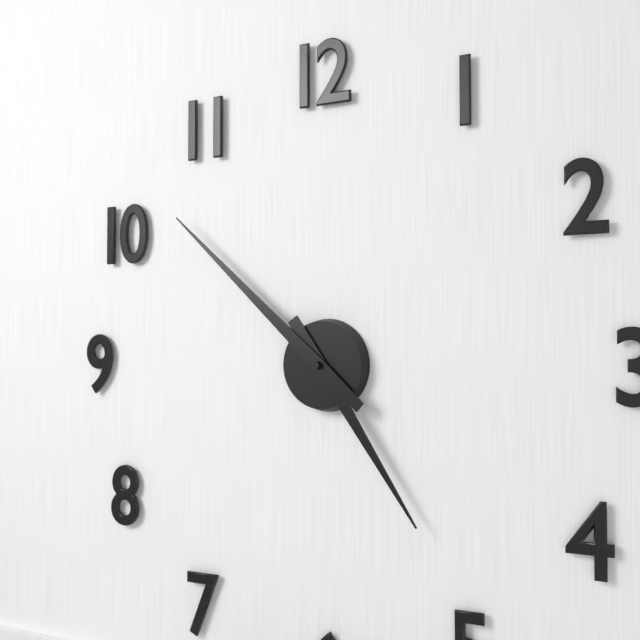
4:52
